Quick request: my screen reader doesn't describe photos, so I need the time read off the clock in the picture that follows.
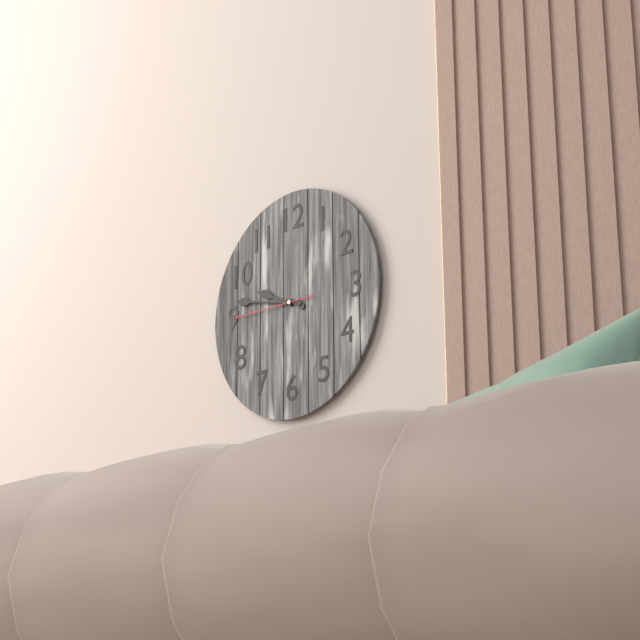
9:47:45
